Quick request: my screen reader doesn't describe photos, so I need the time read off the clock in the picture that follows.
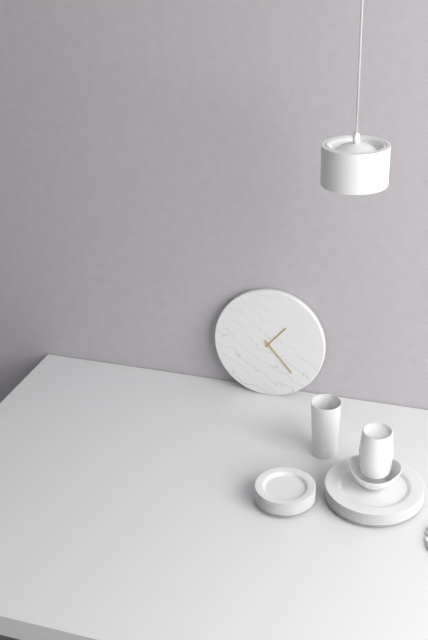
1:23
